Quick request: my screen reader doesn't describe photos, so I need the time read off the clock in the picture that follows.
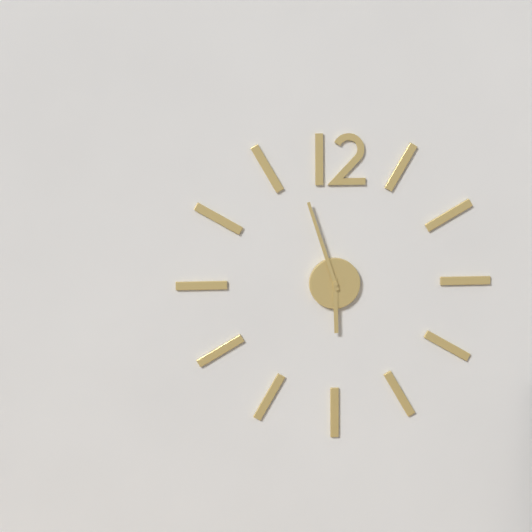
5:57
